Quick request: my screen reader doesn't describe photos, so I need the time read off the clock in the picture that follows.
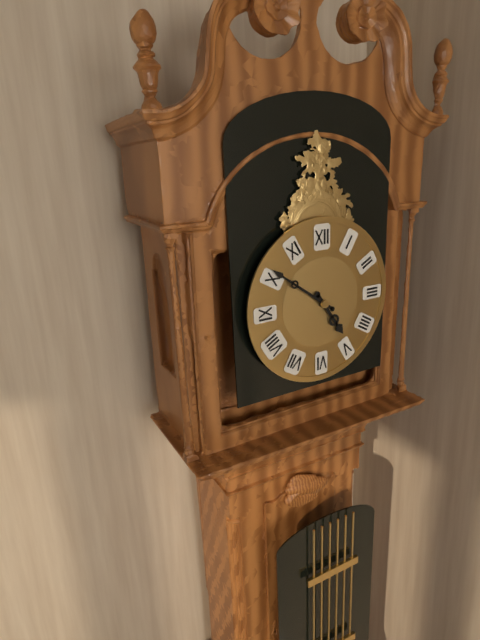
4:51
